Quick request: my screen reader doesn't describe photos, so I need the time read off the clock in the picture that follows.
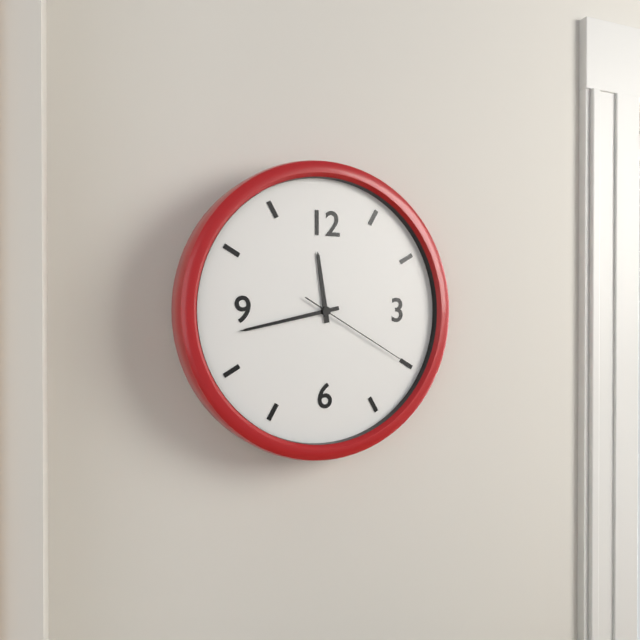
11:43:20
